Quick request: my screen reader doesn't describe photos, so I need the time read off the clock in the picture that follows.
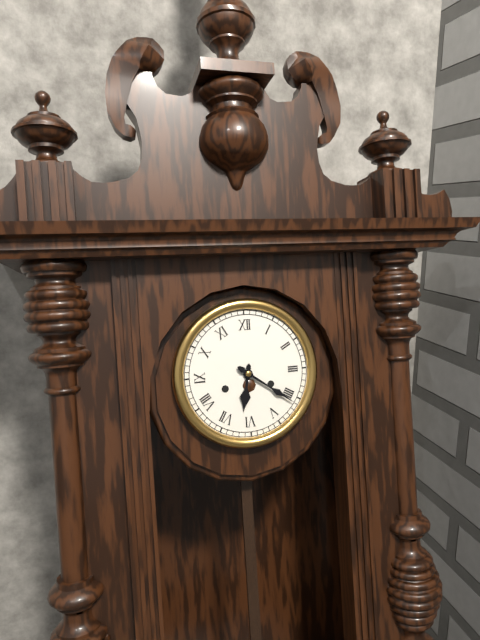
6:21
